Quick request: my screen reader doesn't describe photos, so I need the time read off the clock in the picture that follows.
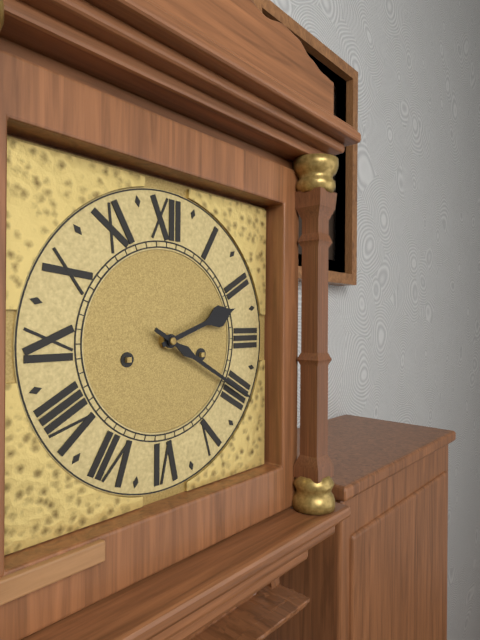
2:20
